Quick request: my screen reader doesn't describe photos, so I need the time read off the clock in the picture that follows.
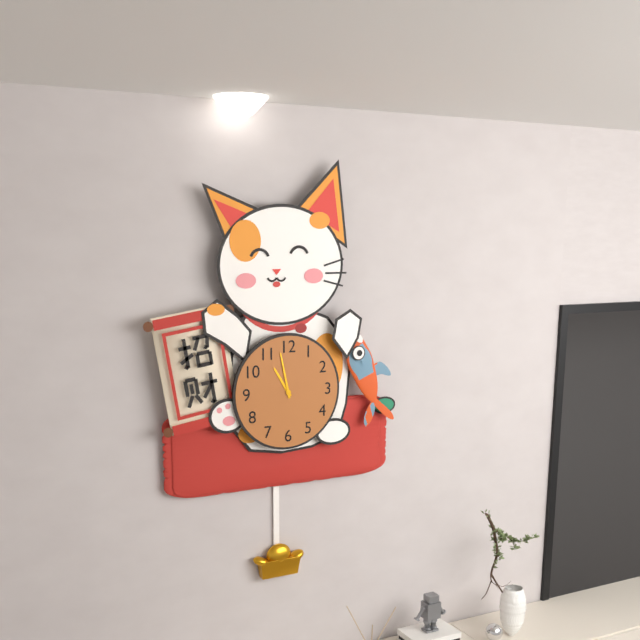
10:58
